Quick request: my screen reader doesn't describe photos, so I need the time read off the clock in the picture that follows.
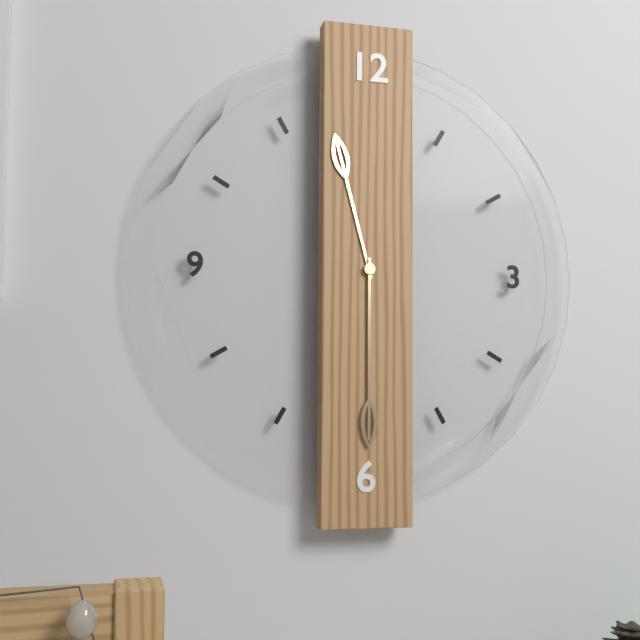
11:30
